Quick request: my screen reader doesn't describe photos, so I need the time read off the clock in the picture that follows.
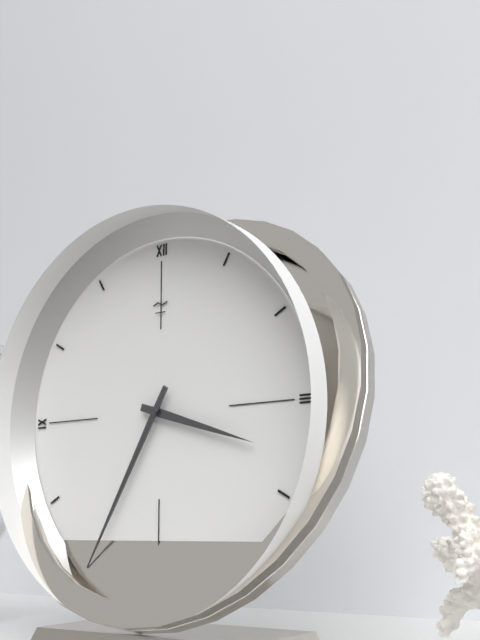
3:35
